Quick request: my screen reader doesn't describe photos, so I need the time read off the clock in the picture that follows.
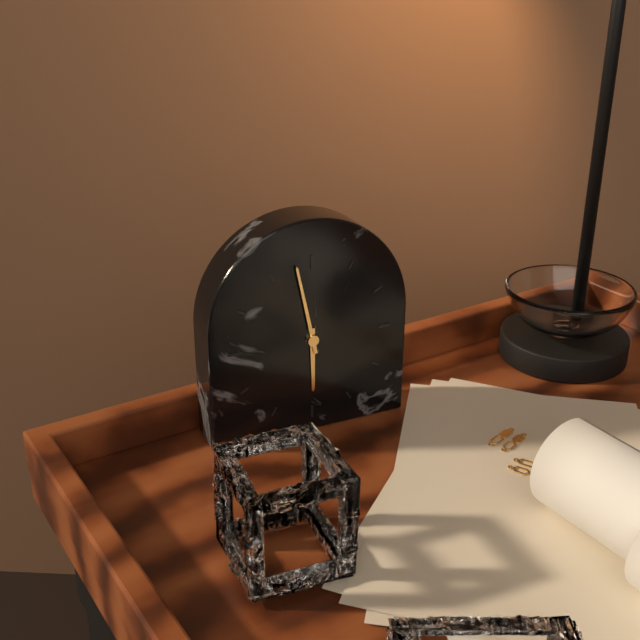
5:58
